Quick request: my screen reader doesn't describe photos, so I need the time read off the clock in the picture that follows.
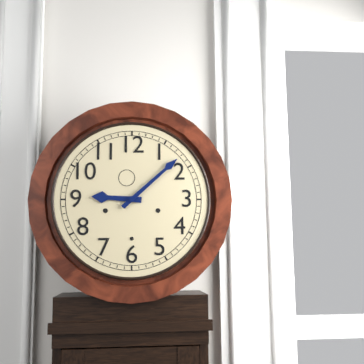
9:08
